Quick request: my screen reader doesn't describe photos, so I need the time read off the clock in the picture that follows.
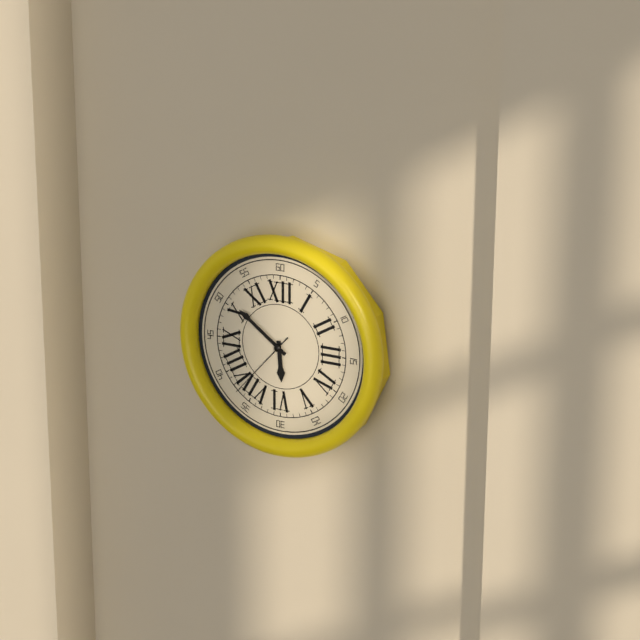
5:51:37
